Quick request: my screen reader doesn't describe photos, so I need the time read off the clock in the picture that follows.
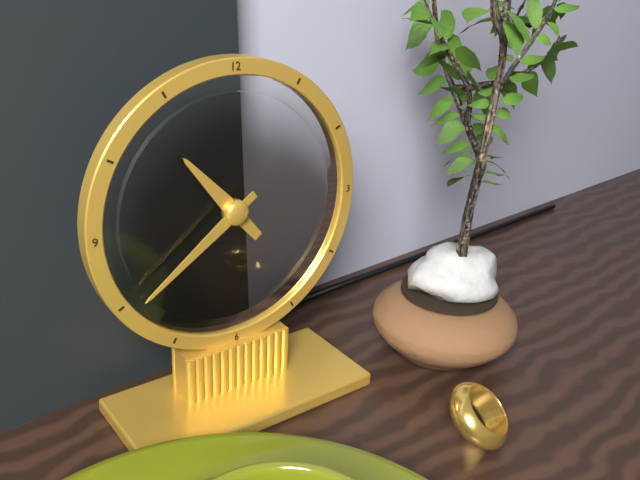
10:39
